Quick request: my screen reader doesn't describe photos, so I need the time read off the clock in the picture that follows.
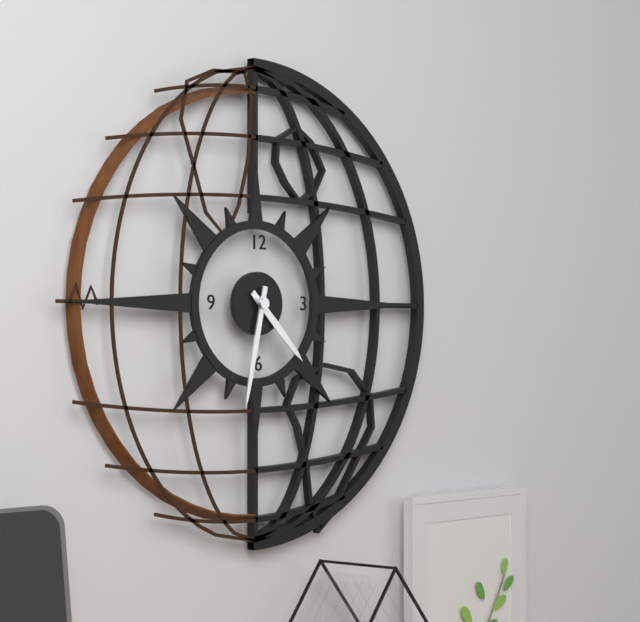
4:32
